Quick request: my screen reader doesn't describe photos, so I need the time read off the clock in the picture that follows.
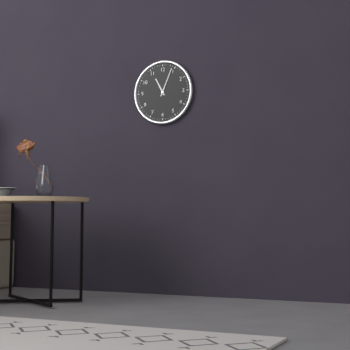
11:04
